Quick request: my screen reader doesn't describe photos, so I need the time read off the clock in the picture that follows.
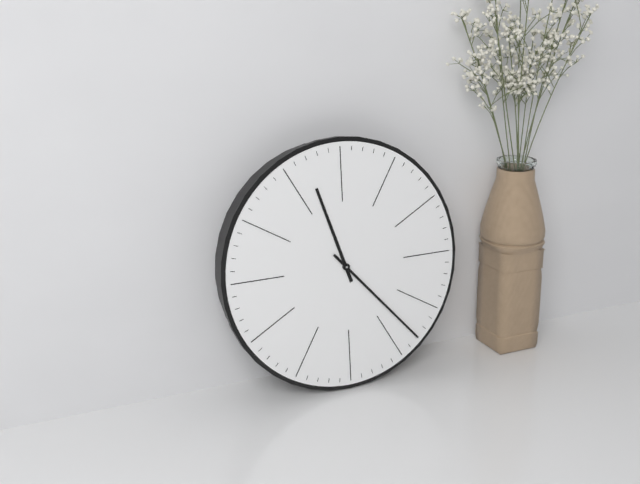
11:23
